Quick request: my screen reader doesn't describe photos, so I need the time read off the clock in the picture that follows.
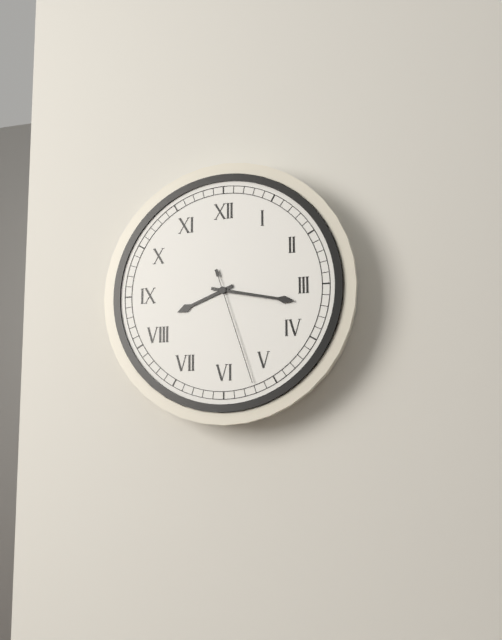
8:17:27
